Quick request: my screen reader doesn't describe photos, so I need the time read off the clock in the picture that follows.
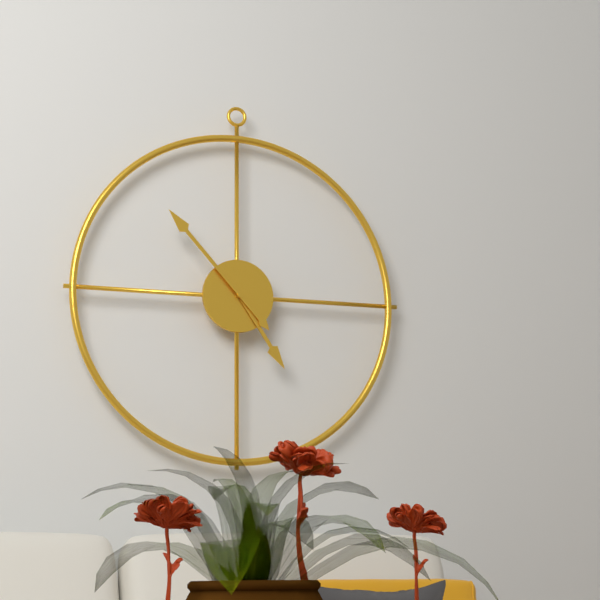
4:53
